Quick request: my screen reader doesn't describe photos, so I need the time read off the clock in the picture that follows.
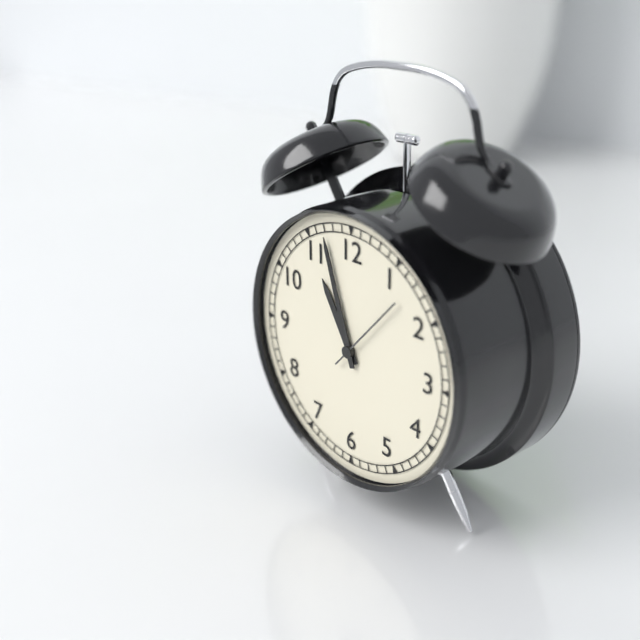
10:57:07
